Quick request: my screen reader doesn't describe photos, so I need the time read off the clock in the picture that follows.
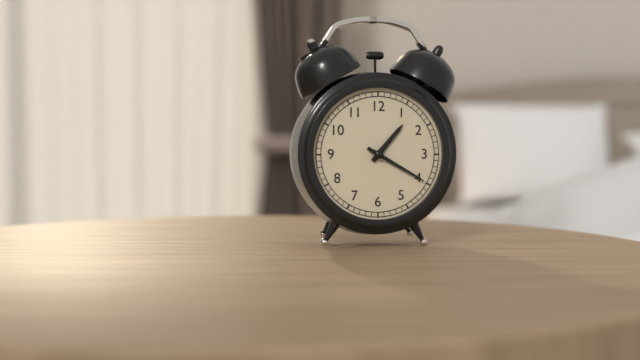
1:20
